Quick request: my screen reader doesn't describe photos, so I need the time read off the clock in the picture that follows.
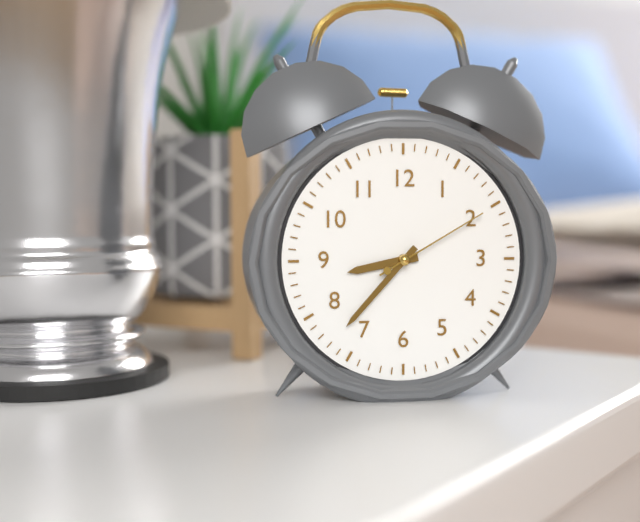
8:37:10
